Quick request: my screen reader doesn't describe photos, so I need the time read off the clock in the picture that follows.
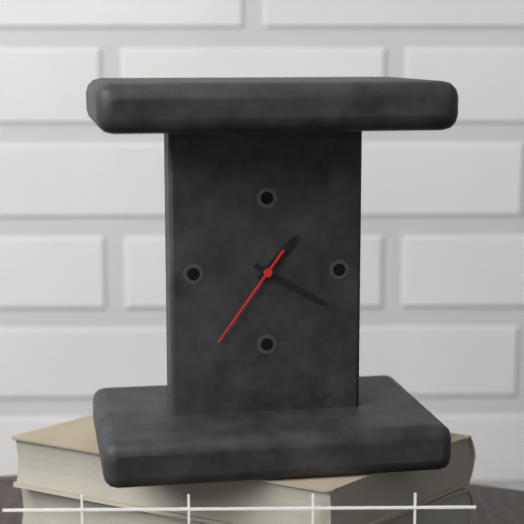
1:20:36
